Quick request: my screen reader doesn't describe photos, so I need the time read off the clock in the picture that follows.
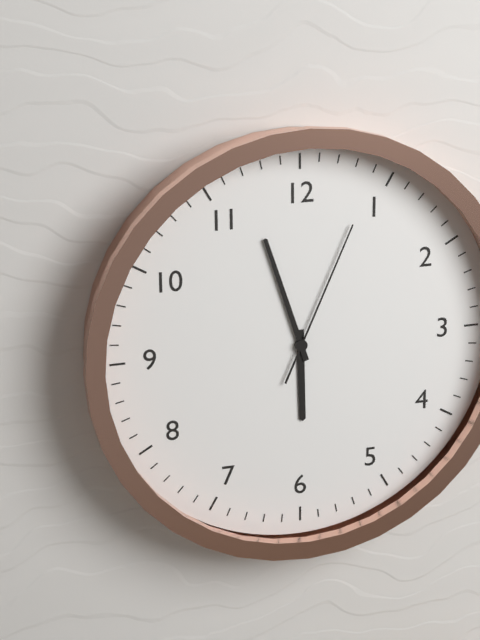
5:57:04
